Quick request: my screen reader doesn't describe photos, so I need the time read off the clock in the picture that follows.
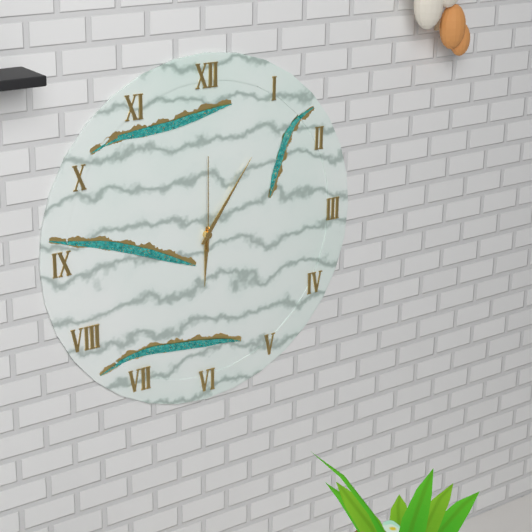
6:06:00
